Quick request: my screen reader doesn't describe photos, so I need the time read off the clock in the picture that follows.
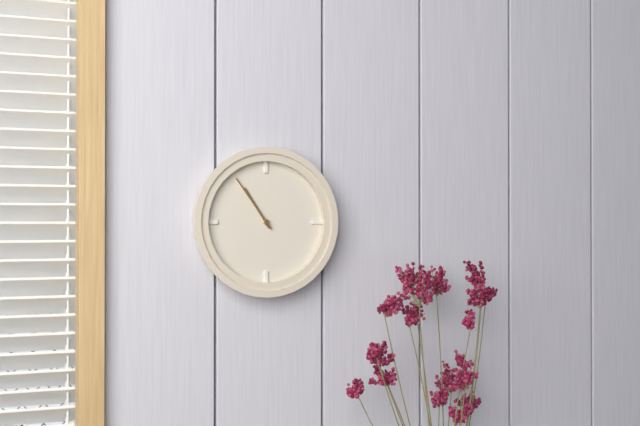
10:54
